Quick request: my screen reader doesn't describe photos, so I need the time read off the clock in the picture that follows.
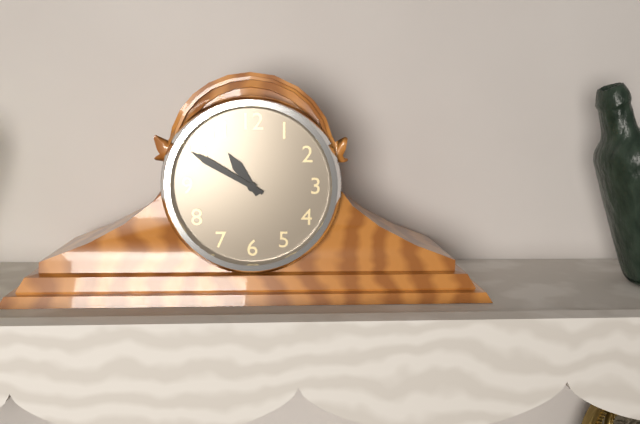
10:50
